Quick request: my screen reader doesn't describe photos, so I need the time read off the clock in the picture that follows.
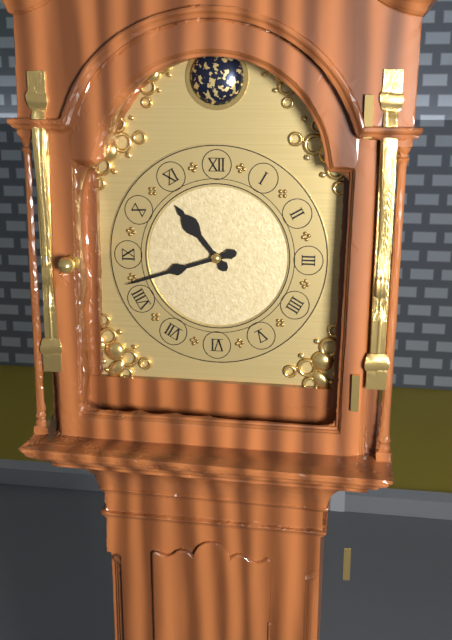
10:42
